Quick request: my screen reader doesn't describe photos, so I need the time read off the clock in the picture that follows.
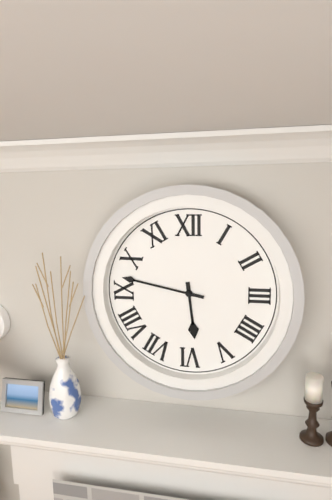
5:47
